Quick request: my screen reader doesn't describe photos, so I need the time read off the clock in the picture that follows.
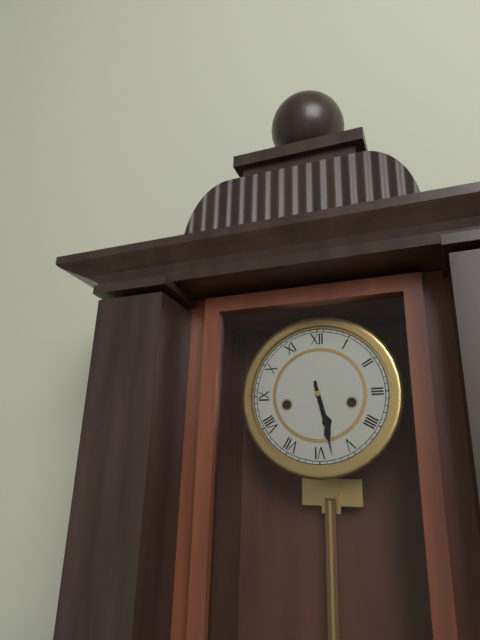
5:28
